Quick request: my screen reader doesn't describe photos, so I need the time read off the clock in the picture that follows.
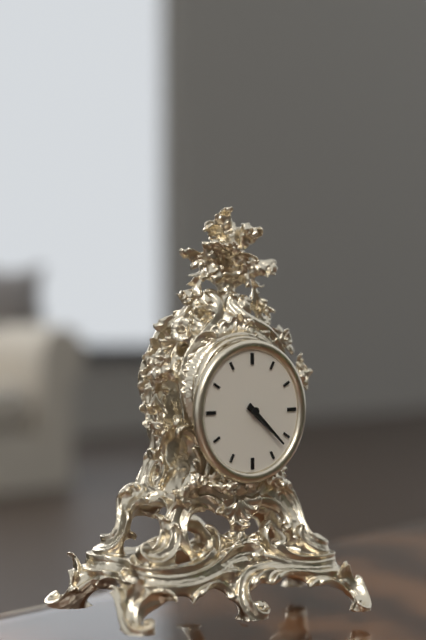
4:22
